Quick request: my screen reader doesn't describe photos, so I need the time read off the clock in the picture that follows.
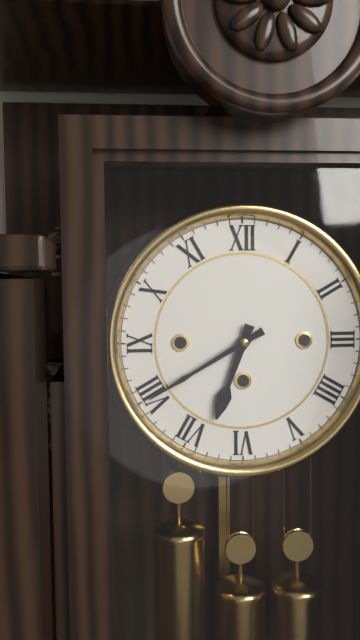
6:40
